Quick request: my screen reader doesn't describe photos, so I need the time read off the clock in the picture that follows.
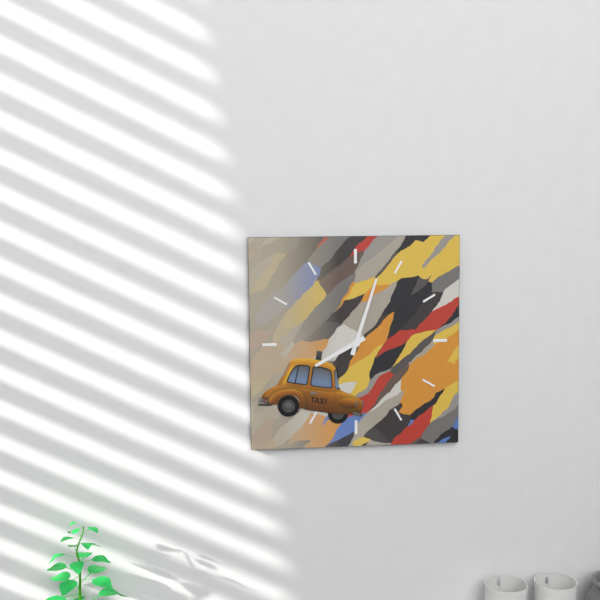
8:03
